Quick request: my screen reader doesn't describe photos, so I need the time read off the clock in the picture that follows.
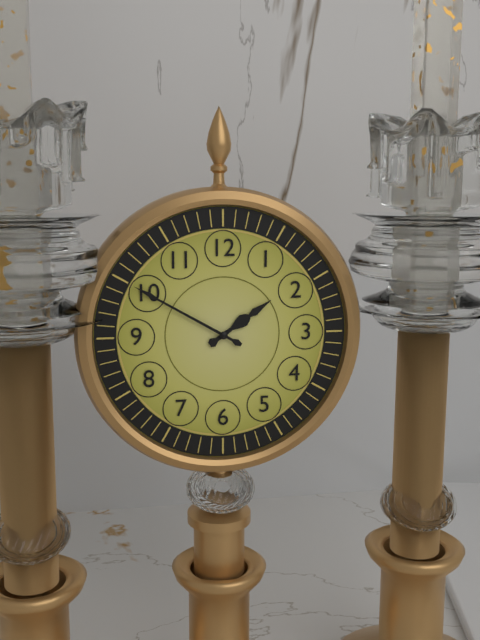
1:50
